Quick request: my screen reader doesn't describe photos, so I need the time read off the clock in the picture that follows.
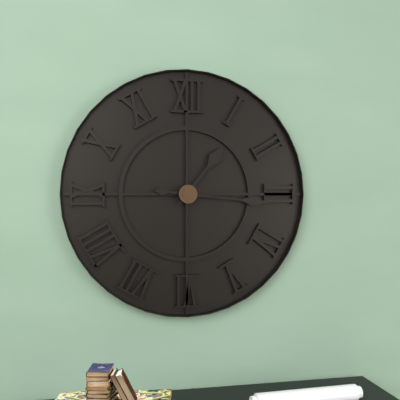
1:16
